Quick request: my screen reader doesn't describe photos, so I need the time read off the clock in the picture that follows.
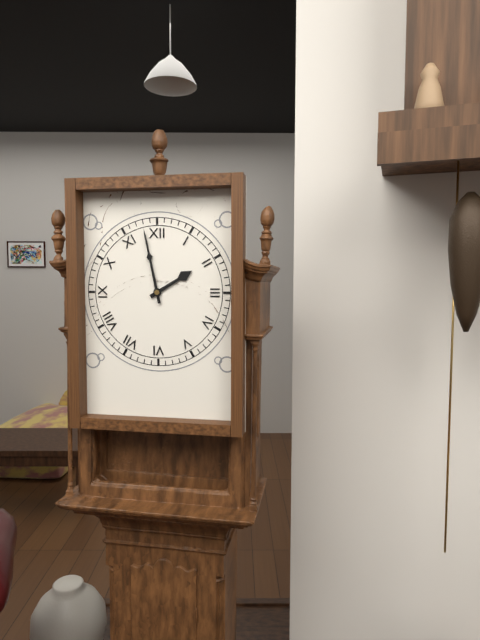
1:58
